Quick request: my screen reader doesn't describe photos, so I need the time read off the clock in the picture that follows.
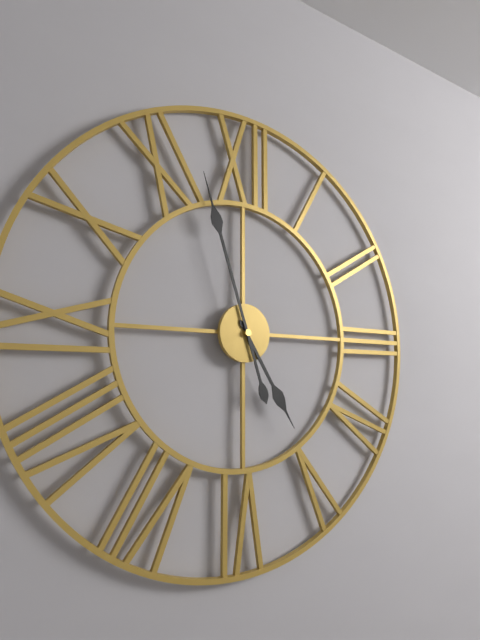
4:57
